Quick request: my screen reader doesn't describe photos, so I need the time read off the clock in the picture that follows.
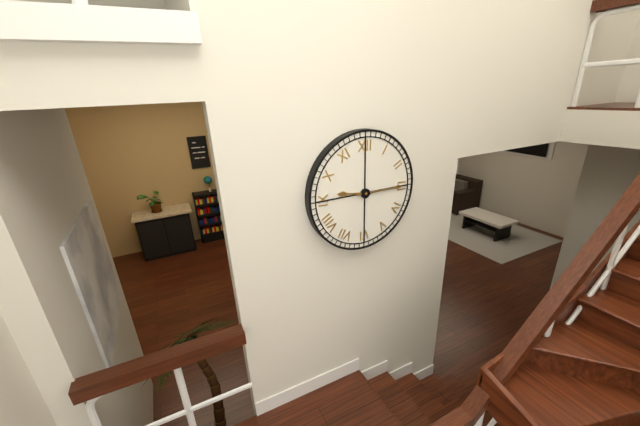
9:15
